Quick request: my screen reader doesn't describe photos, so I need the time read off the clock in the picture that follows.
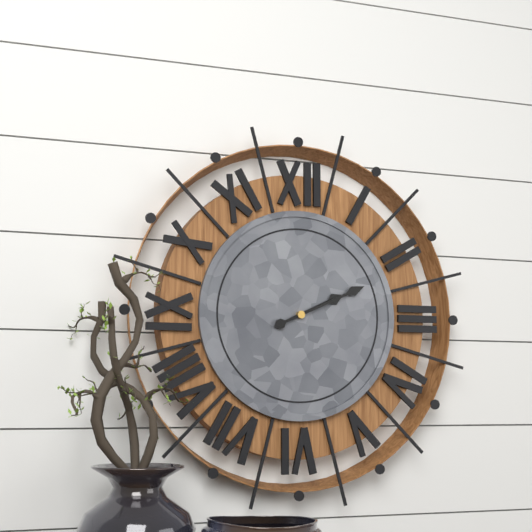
2:11
